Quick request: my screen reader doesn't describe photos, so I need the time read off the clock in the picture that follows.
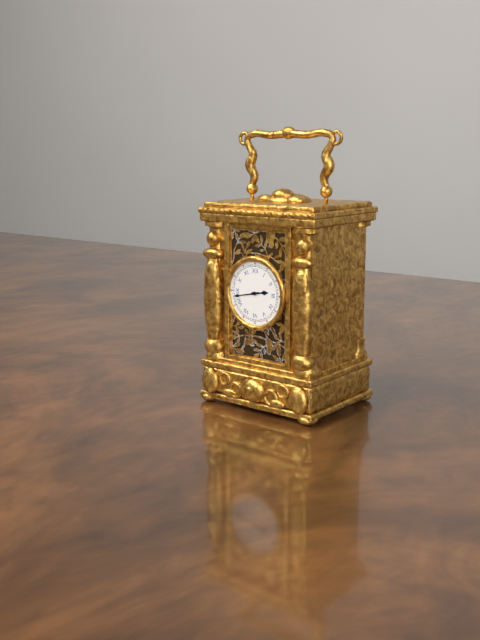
2:43
